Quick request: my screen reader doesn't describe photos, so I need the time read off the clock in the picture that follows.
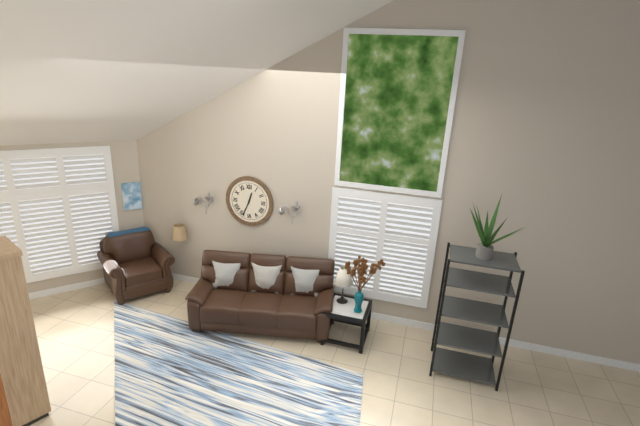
12:34
